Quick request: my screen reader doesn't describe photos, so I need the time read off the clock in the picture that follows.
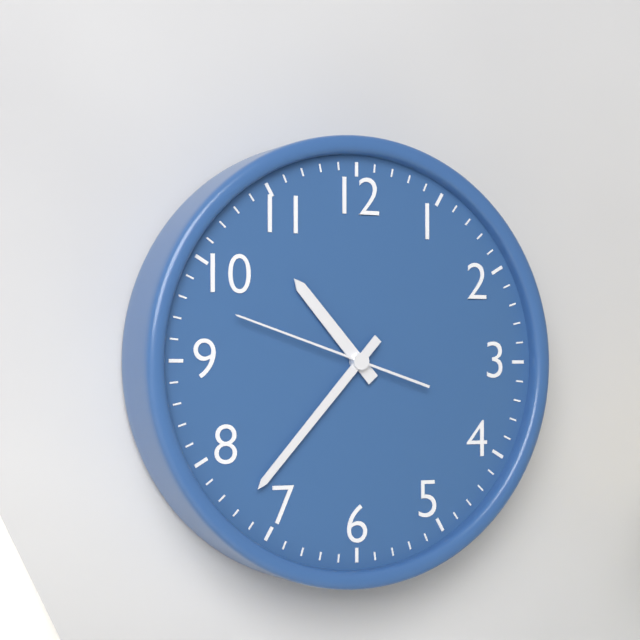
10:37:48
